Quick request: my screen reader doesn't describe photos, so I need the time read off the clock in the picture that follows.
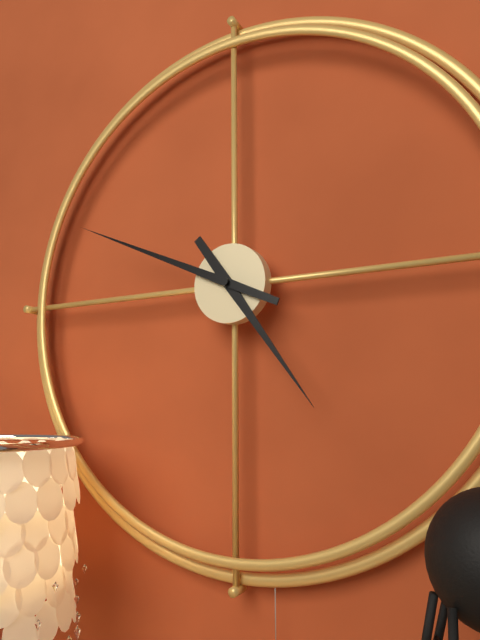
4:49
